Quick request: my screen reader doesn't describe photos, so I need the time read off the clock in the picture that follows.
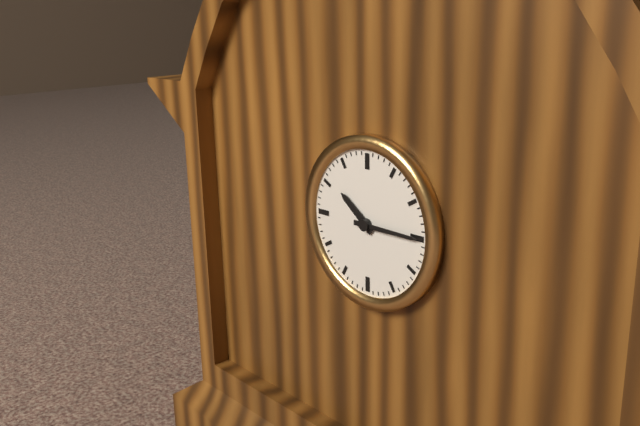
10:15
